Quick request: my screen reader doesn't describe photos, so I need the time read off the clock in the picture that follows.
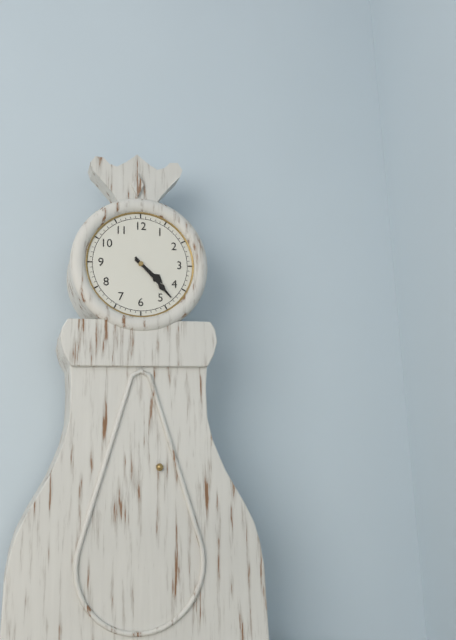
4:23
